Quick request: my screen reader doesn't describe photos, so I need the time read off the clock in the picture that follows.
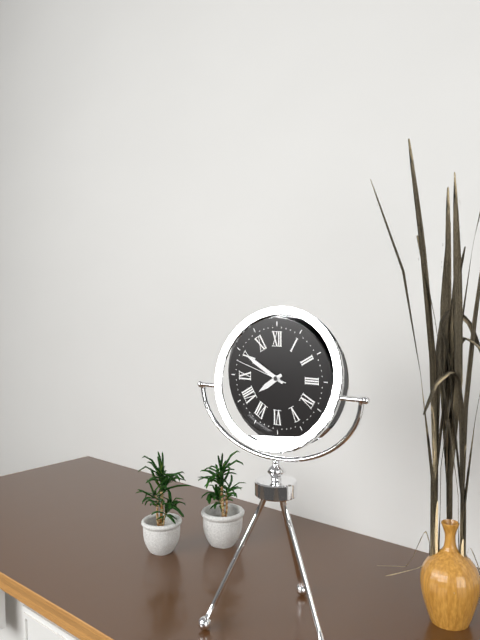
7:50:48
